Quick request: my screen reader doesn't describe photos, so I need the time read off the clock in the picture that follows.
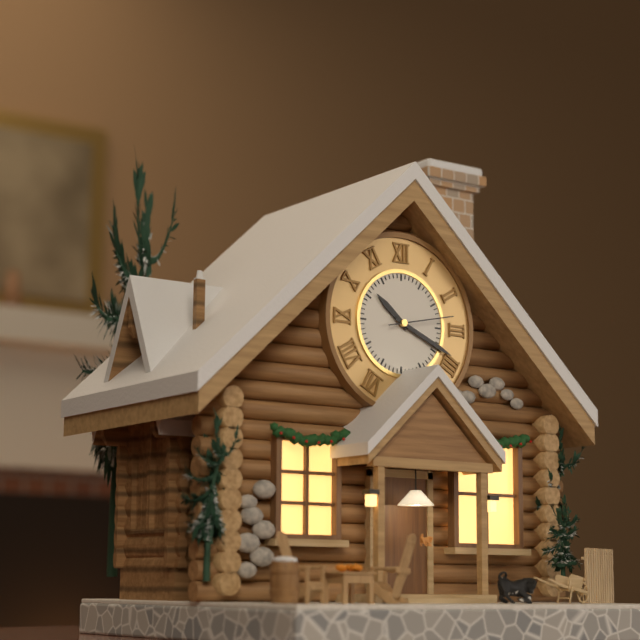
10:19:13
